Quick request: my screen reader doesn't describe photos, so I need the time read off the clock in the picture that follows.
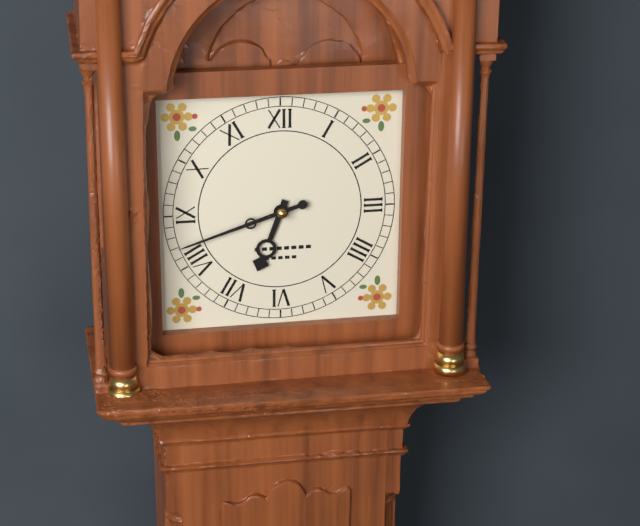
6:42
